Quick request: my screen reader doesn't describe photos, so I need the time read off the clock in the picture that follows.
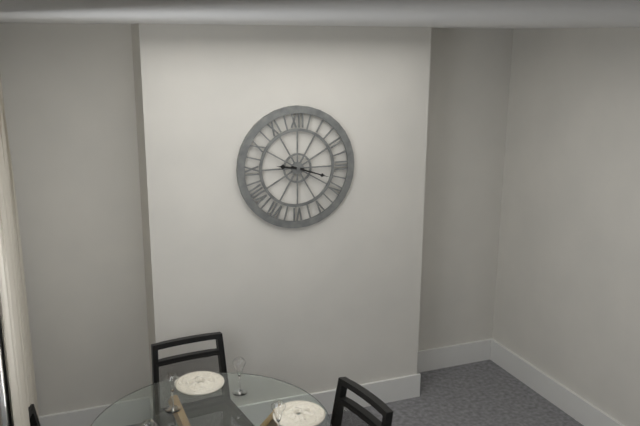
9:18
